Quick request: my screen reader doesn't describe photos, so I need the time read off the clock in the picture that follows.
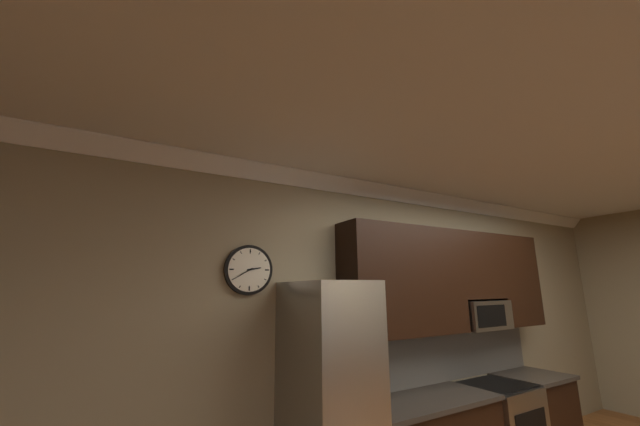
2:40
